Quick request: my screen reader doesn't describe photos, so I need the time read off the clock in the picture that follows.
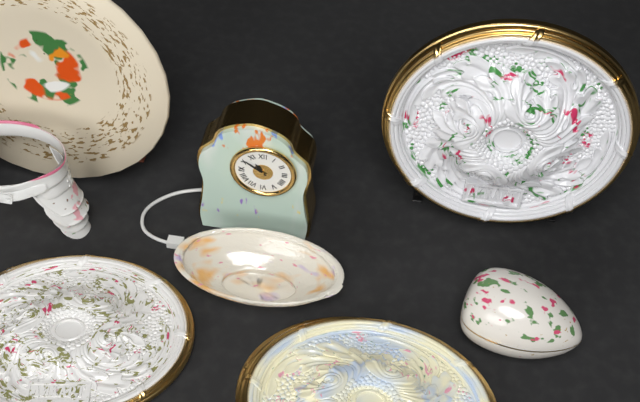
10:51
